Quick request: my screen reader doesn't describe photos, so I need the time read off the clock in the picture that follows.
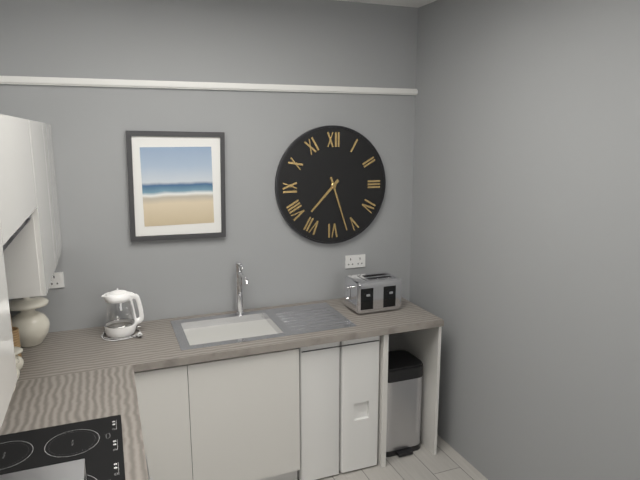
7:27
